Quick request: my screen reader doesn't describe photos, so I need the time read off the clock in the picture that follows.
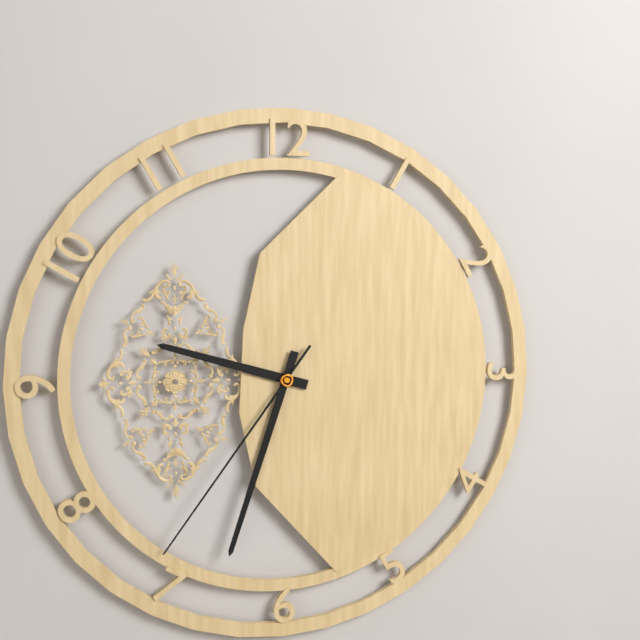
9:33:36
